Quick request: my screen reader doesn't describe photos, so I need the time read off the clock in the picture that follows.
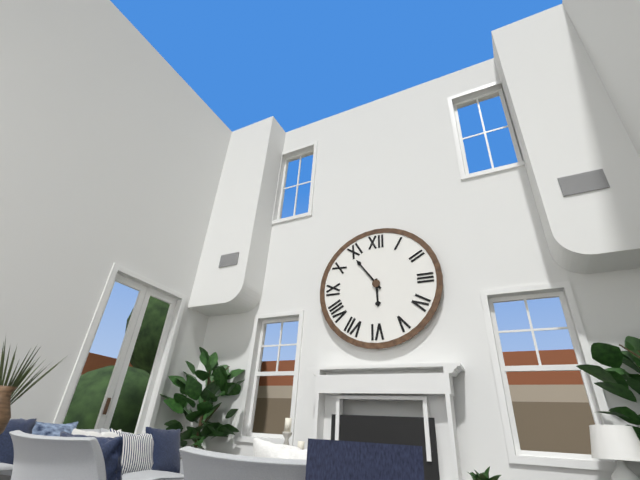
5:54
